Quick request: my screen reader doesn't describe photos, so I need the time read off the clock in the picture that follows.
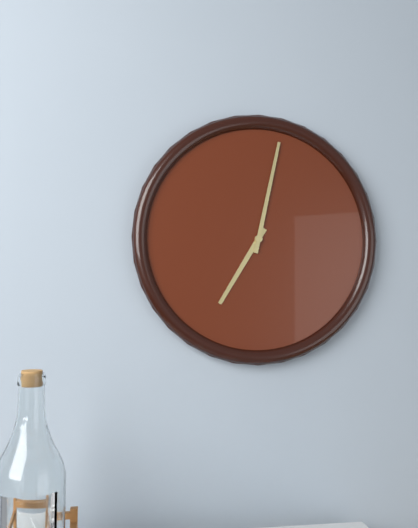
7:02
